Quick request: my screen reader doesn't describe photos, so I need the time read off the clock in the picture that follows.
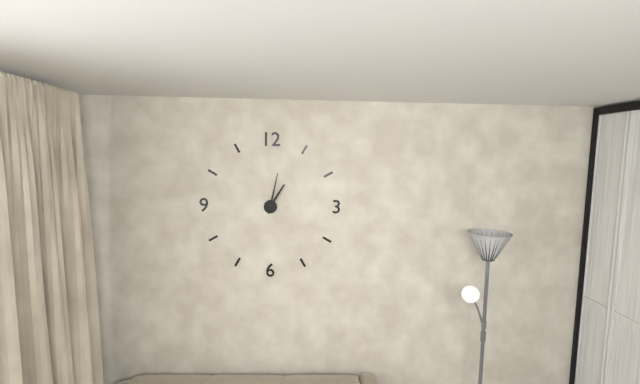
1:02
